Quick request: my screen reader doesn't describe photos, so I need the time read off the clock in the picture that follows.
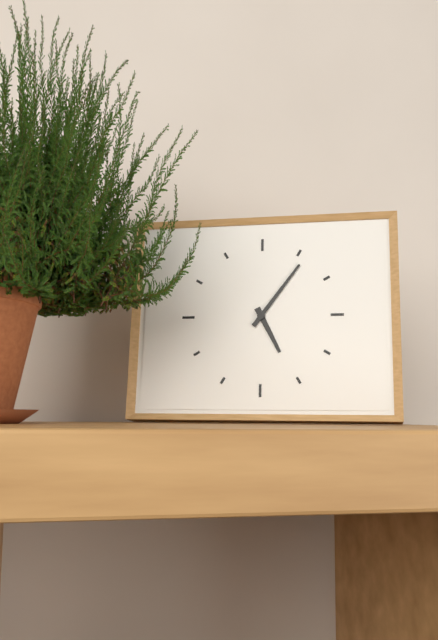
5:06
